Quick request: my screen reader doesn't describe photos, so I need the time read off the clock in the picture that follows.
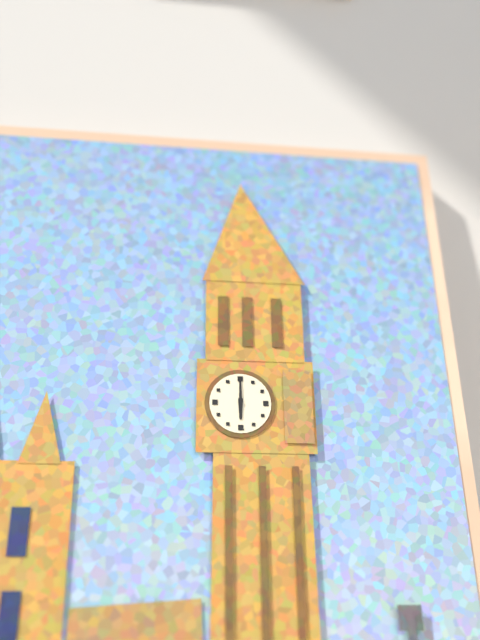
6:00
